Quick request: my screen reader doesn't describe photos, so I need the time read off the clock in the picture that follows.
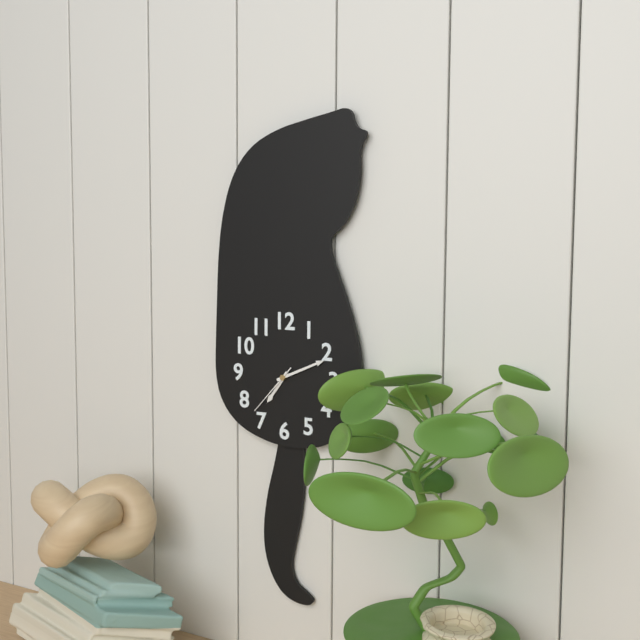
7:11:37
